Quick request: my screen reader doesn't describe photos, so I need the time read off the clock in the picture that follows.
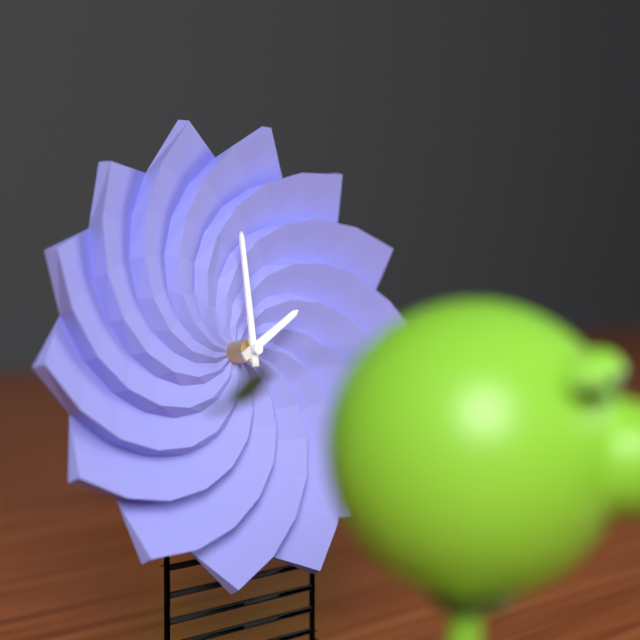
2:00
